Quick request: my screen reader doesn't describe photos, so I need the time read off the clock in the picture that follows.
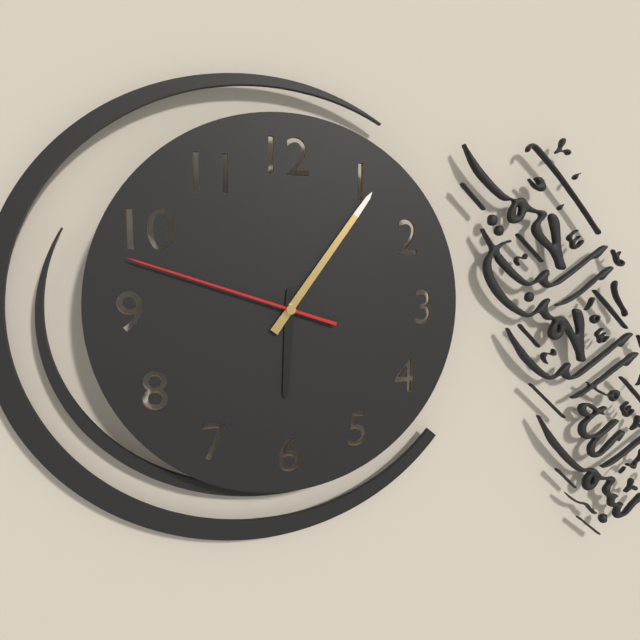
6:06:48
